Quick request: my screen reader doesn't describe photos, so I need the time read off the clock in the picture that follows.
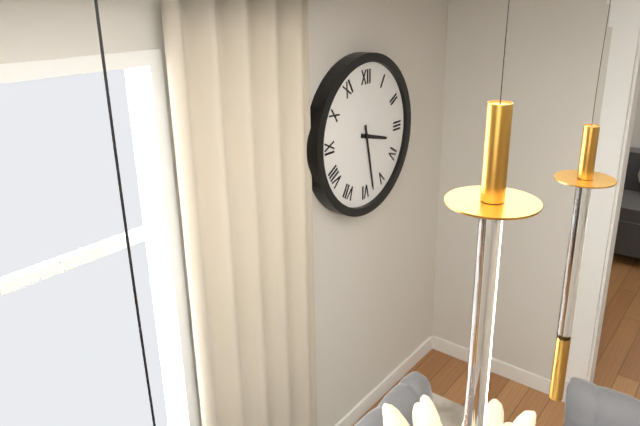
3:28
